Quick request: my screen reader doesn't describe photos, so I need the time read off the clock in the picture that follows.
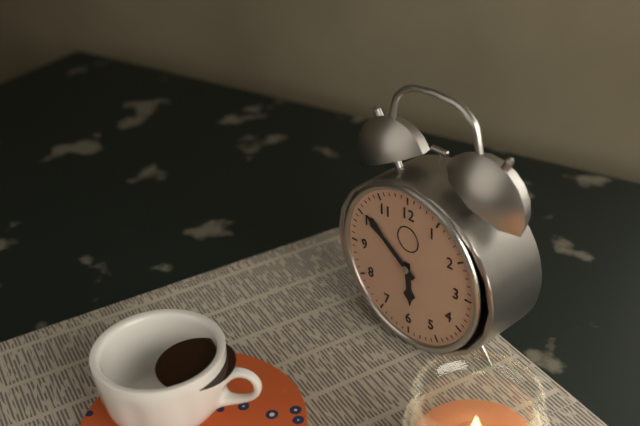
5:51
